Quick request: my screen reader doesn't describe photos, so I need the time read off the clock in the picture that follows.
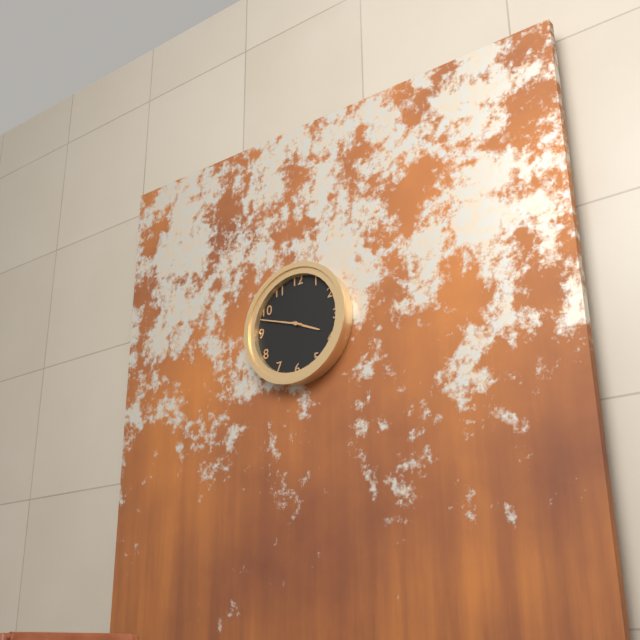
3:48
